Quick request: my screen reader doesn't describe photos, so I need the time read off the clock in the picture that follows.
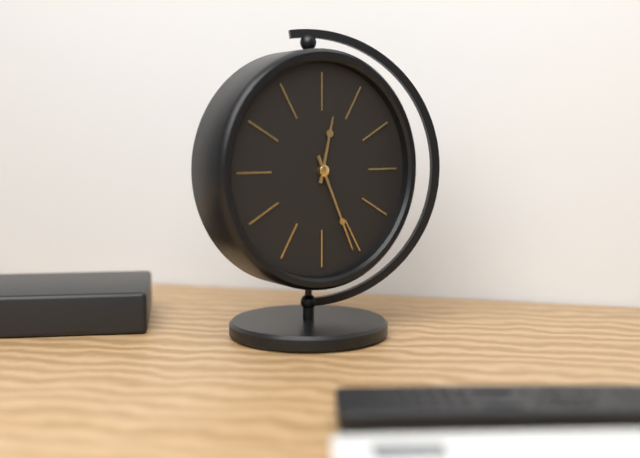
12:26
